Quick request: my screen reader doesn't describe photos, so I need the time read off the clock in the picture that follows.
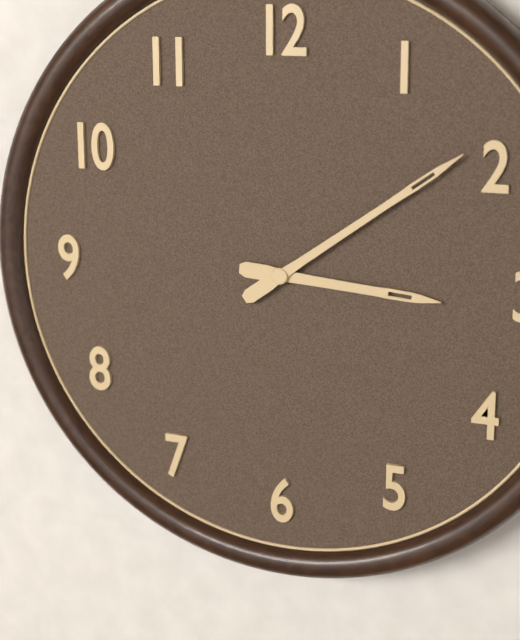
3:09
